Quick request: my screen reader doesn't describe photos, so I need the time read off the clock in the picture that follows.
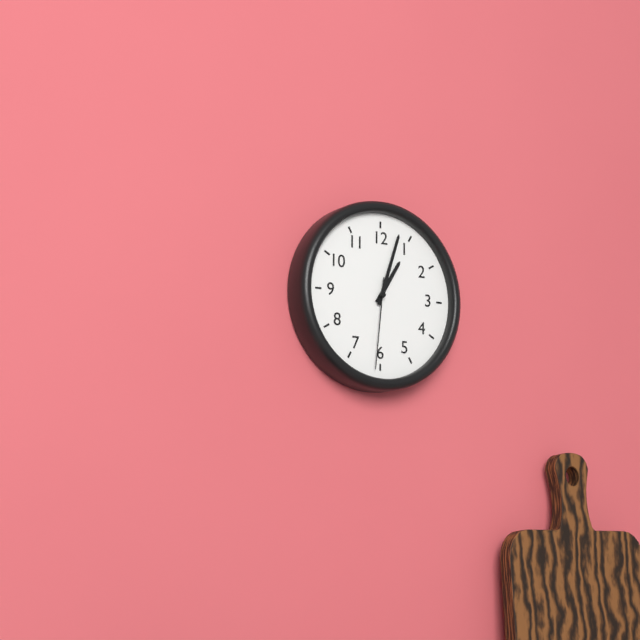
1:03:31
